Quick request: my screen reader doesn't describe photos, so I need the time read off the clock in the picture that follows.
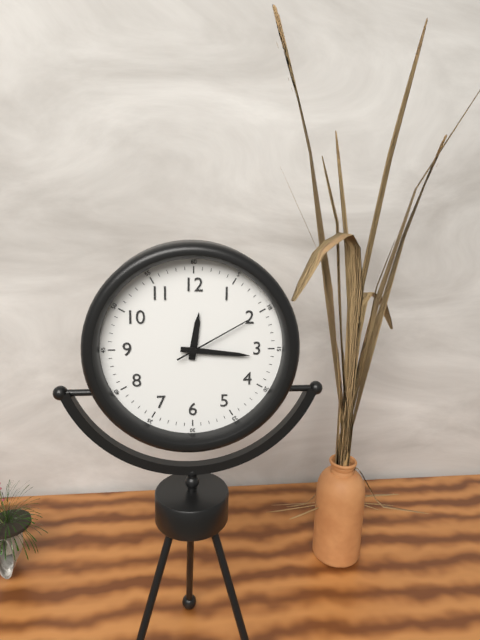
12:16:10
